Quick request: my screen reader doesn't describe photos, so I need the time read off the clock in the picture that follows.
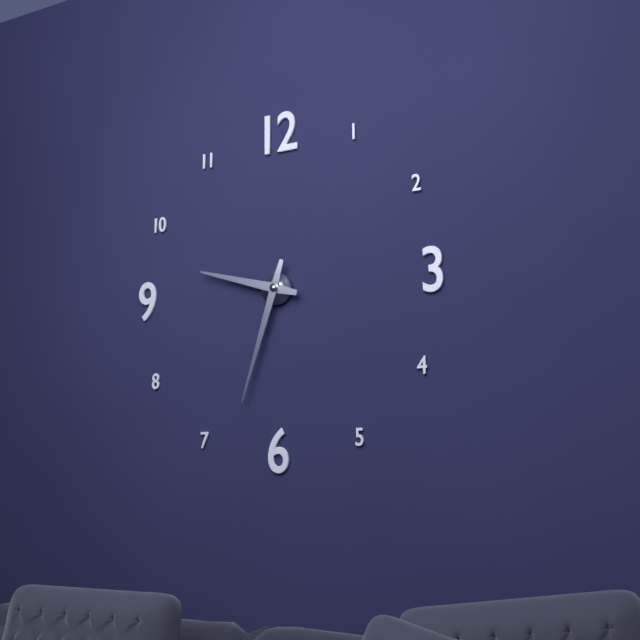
9:33
